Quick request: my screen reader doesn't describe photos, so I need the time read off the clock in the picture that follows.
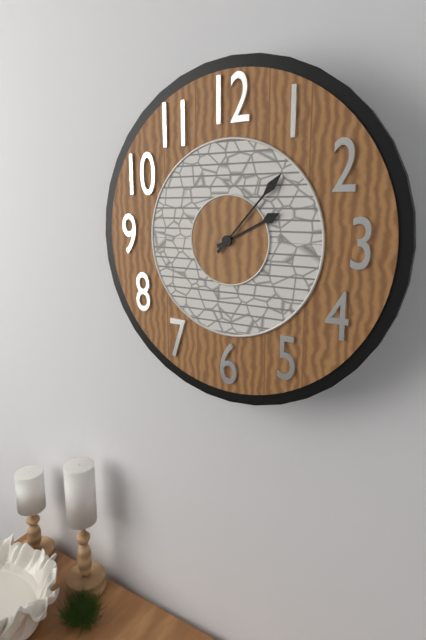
2:07
